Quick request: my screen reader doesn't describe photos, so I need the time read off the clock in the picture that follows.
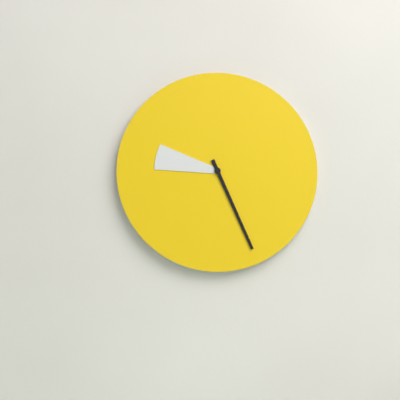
9:26
